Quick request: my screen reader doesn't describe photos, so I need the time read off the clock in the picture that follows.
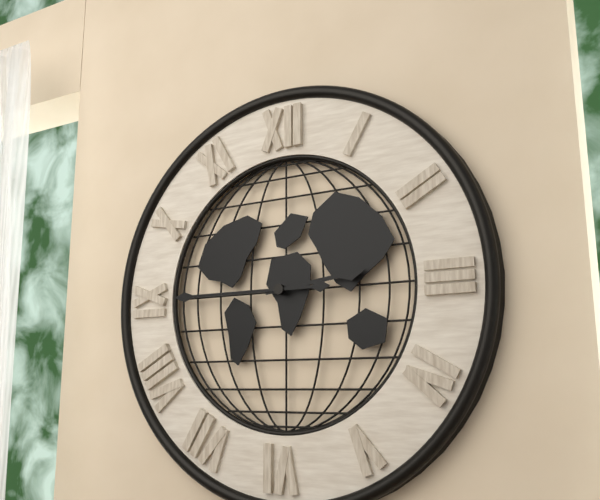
2:45
